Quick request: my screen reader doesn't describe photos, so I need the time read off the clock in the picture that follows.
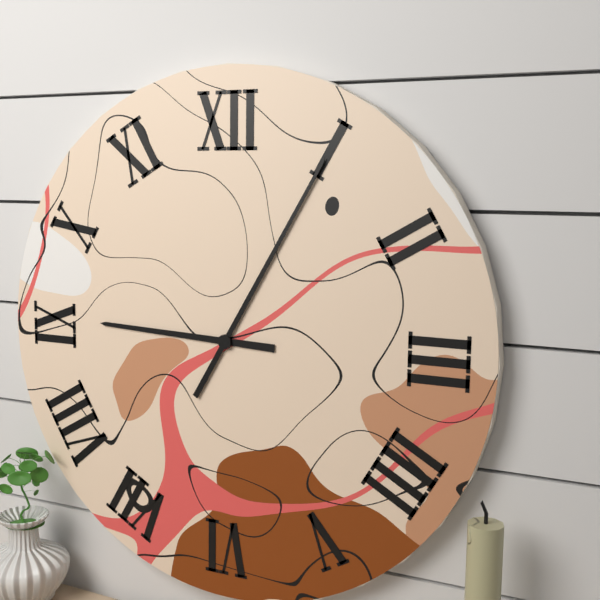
9:05
